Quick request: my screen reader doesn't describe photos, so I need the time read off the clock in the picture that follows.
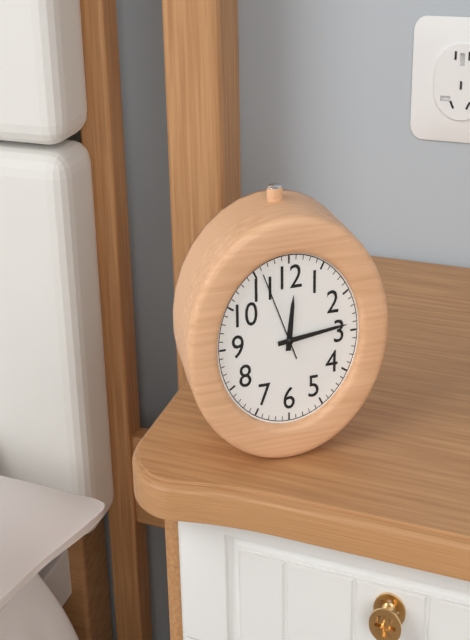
12:14:56
